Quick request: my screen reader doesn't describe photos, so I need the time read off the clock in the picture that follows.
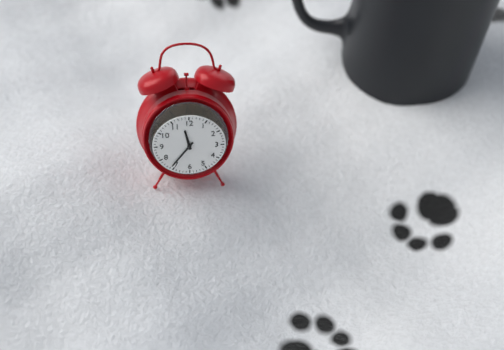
11:36
